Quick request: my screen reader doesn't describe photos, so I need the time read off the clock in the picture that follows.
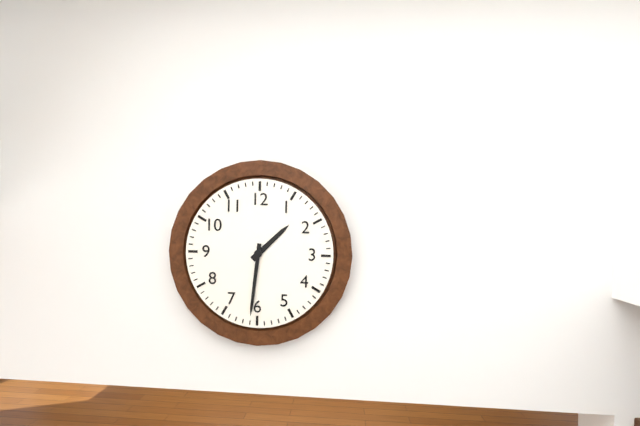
1:31
